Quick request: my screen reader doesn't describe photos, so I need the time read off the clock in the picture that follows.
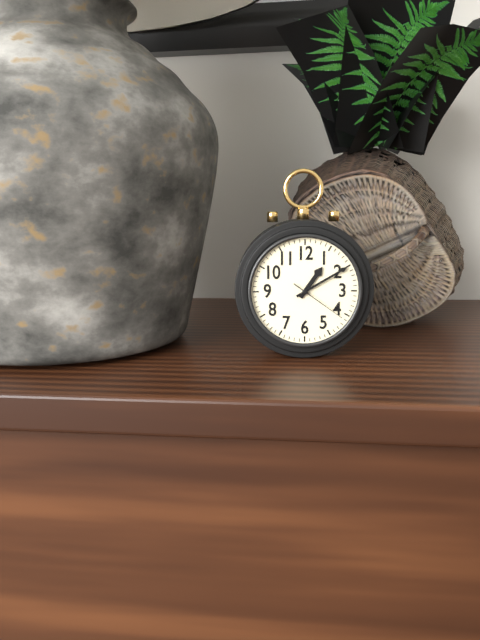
1:10:21
